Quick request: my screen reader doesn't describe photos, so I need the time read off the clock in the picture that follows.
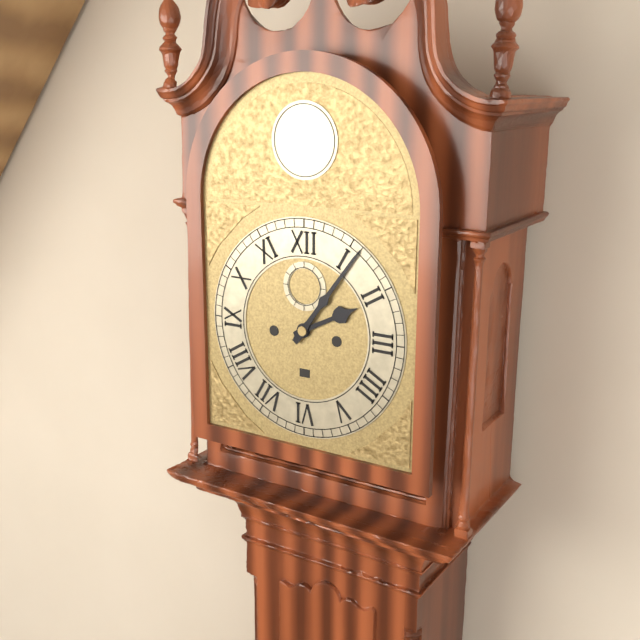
2:06
